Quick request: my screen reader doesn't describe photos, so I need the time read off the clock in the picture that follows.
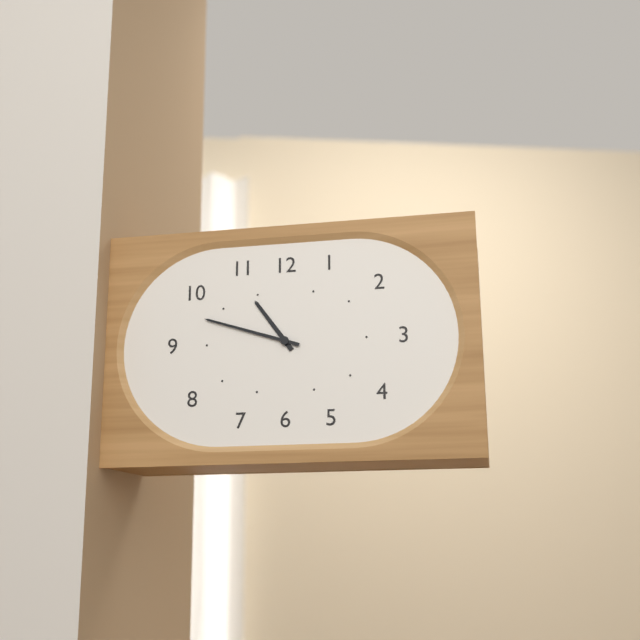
10:48
